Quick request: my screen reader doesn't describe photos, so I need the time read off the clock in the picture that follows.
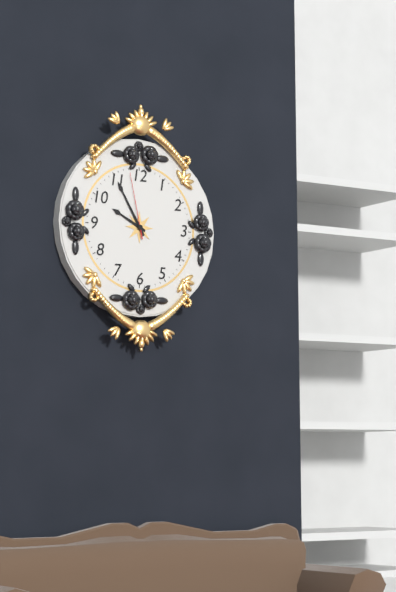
9:55:58
